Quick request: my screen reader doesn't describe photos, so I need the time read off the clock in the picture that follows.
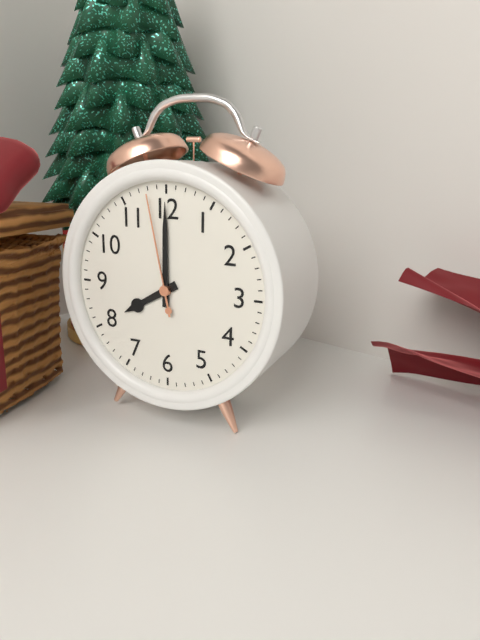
8:00:58
